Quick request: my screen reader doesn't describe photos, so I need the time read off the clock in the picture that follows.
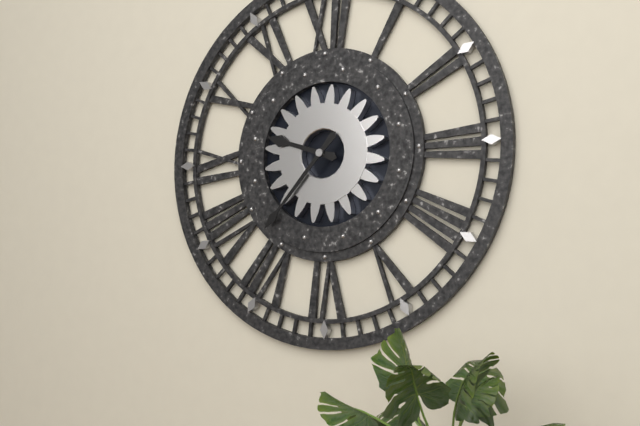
9:37
